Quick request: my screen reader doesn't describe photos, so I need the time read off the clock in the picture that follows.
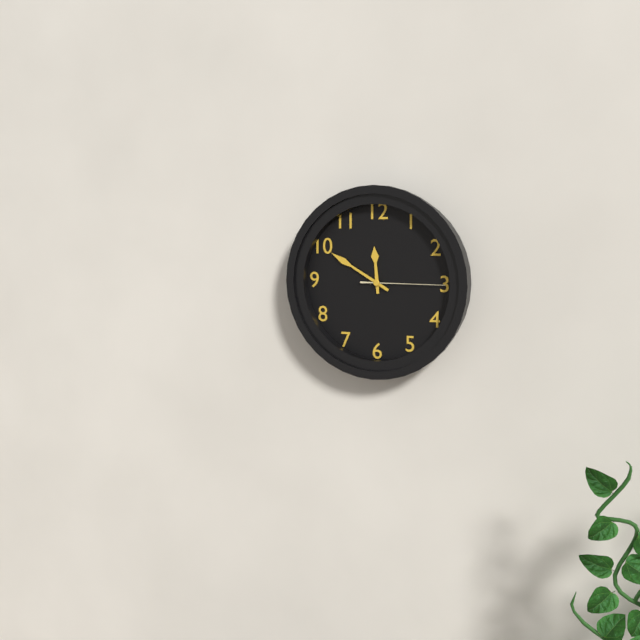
11:50:15
